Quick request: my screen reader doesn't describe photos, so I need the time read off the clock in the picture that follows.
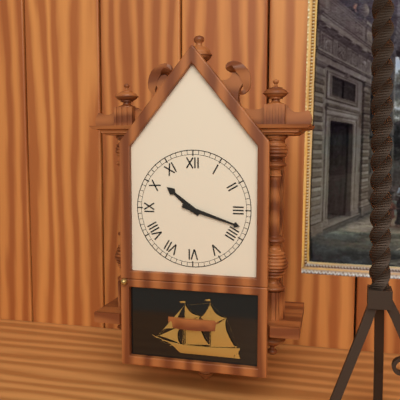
10:18
